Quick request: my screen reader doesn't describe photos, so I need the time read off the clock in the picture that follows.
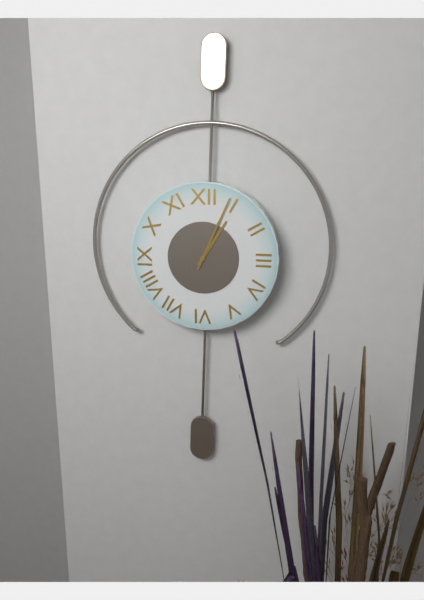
1:04
